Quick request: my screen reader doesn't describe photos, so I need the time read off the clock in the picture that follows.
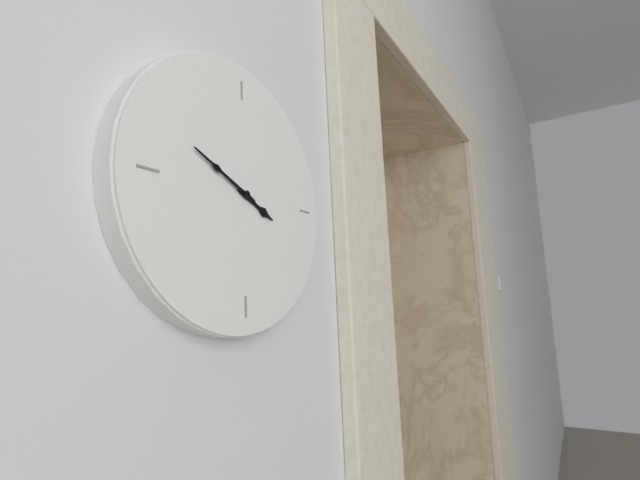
3:49
